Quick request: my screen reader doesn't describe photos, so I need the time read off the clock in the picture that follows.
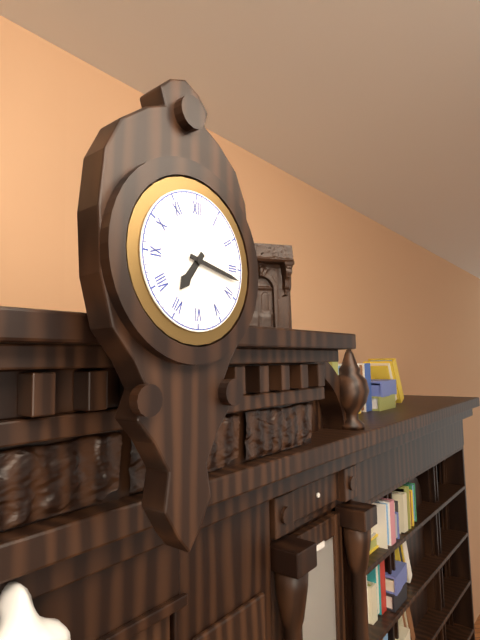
7:17
